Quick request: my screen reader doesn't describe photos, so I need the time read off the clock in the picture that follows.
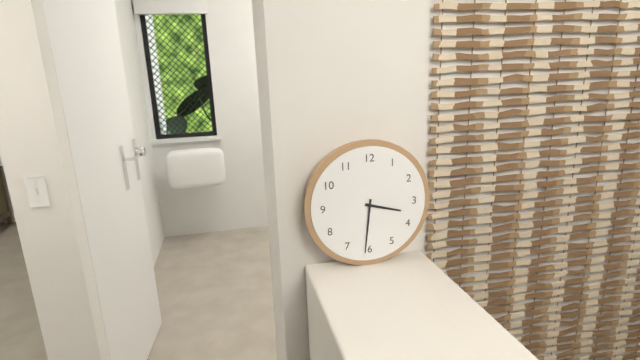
3:31
